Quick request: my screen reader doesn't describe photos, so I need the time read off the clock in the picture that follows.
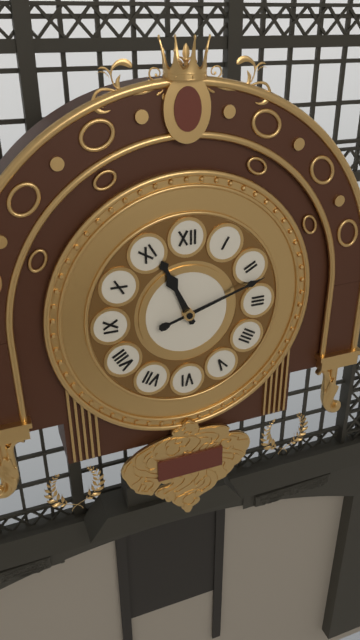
11:12
